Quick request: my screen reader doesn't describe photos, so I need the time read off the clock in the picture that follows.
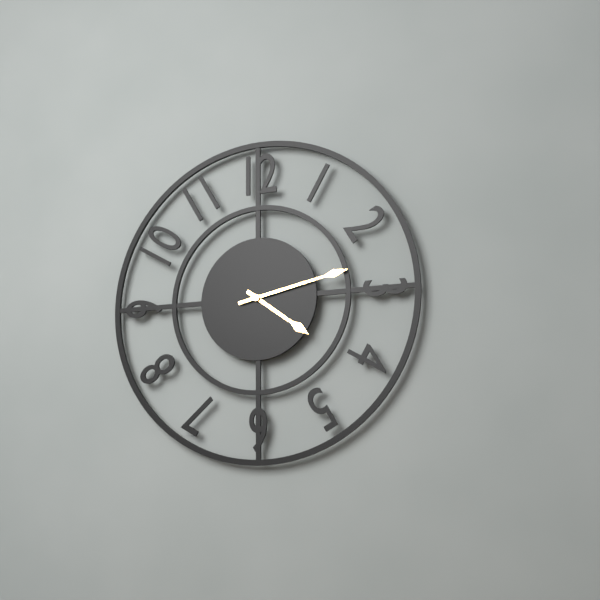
4:13
